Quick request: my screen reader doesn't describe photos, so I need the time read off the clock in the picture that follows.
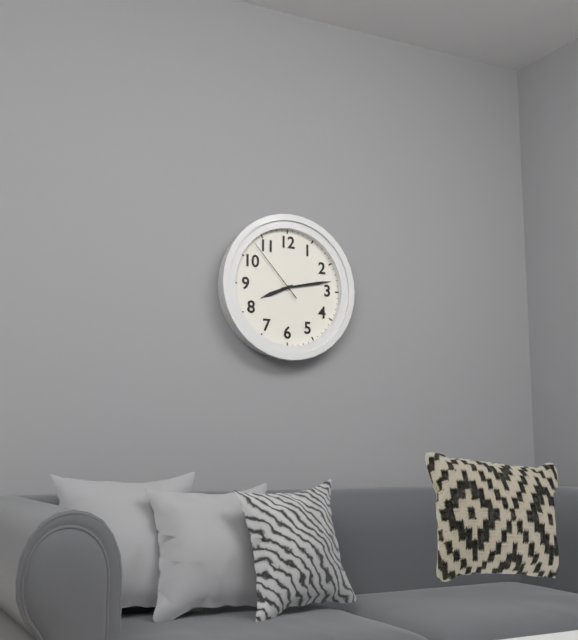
8:13:53
